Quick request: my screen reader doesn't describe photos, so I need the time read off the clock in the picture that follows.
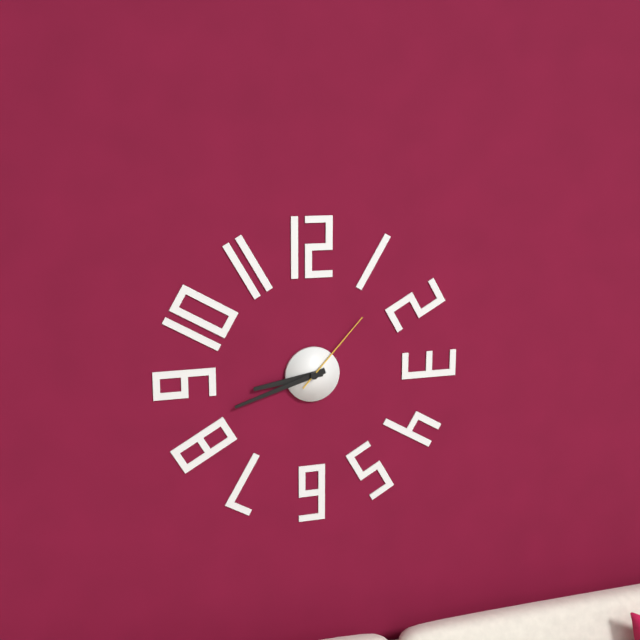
8:42:07
